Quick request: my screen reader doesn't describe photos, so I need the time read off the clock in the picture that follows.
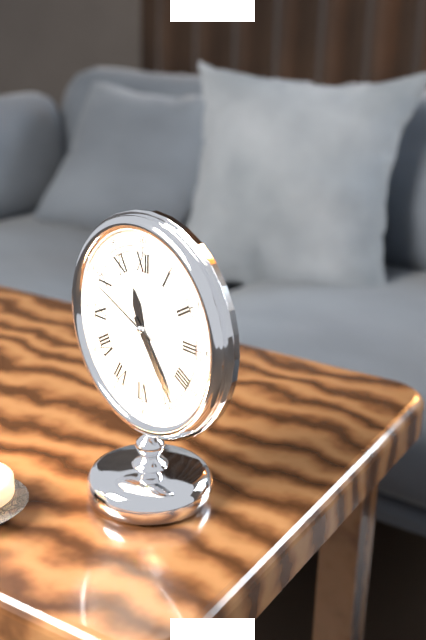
11:24:49
